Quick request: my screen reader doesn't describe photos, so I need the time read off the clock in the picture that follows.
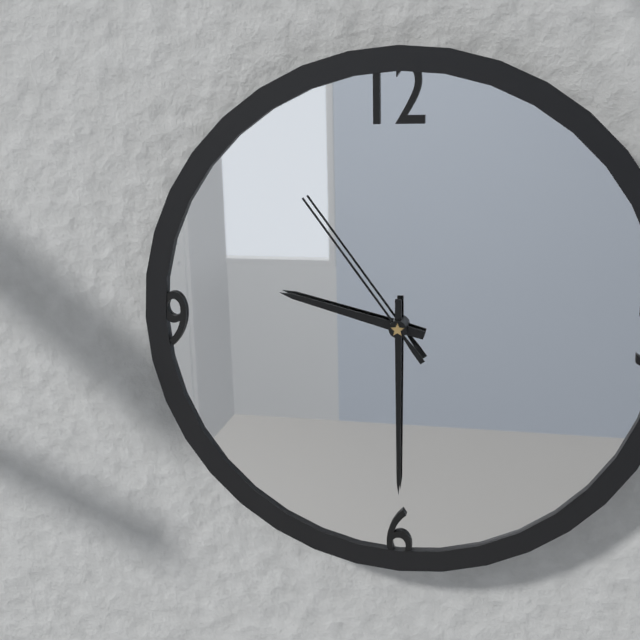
9:30:54
